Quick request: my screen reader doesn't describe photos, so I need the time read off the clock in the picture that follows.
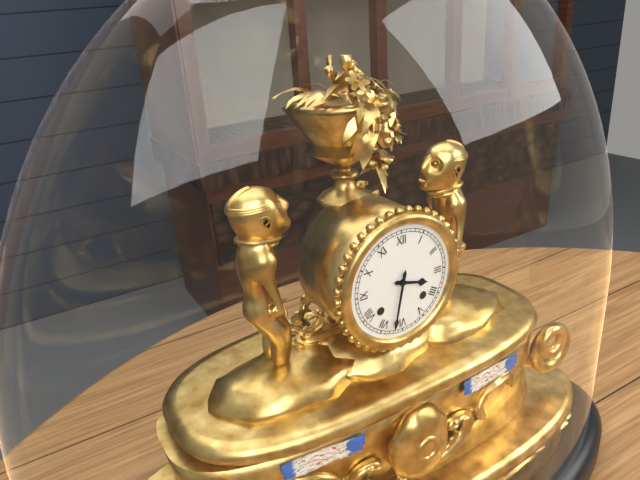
3:32
